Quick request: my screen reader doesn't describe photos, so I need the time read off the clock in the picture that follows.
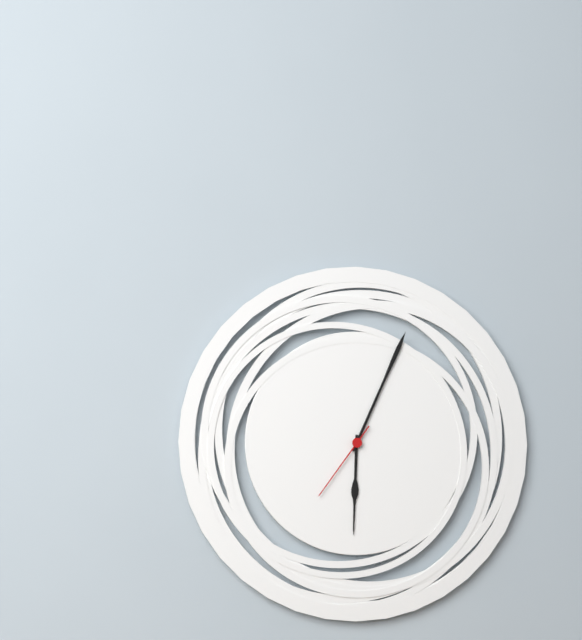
6:04:36
